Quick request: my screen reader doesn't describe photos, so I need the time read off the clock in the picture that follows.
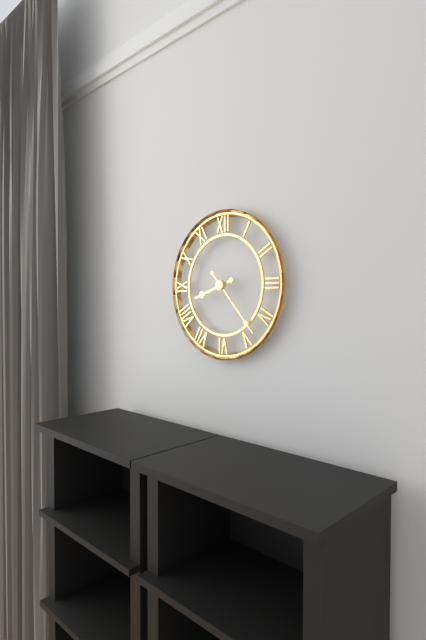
8:23
